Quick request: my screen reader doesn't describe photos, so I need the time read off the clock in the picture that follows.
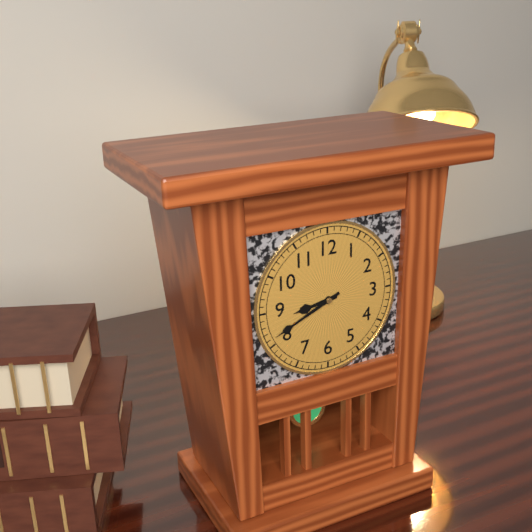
8:41
